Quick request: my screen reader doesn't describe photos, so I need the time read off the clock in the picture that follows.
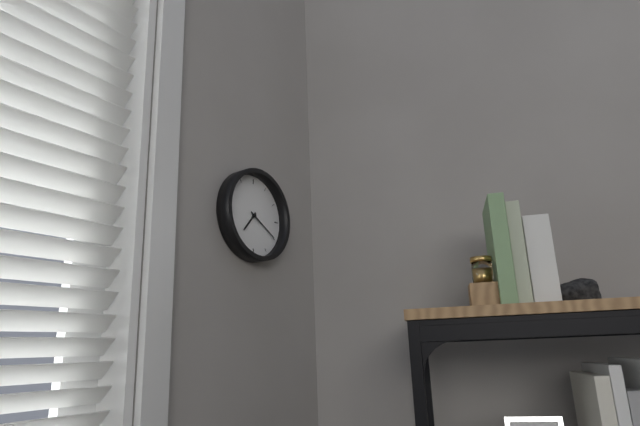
7:20
